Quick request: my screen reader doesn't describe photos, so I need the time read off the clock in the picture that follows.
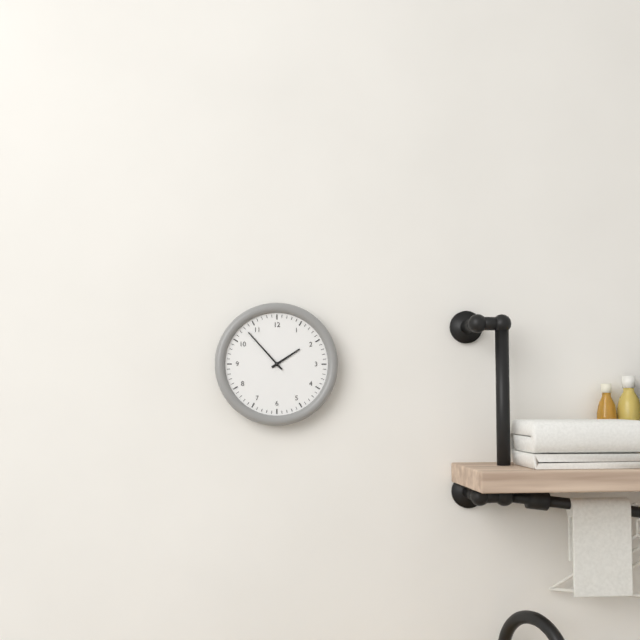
1:53
